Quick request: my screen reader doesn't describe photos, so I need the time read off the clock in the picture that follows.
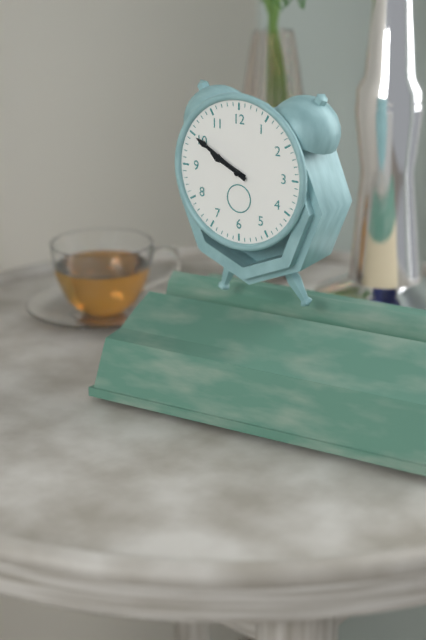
9:50
